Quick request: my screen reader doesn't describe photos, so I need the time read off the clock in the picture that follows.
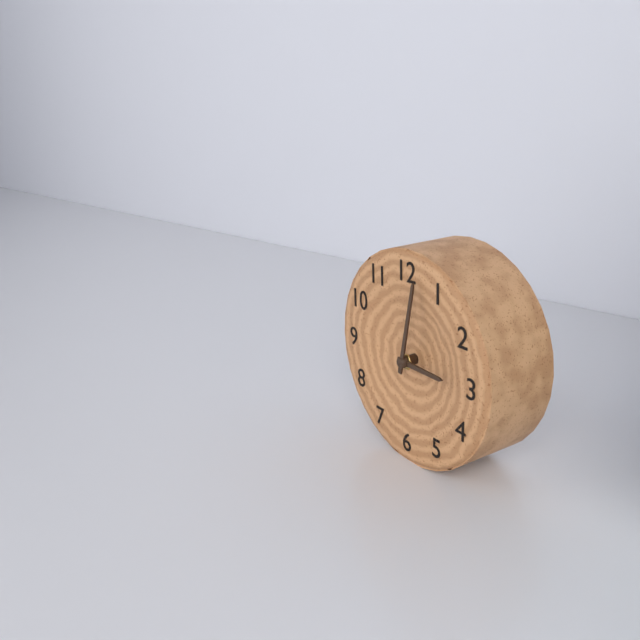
3:02
